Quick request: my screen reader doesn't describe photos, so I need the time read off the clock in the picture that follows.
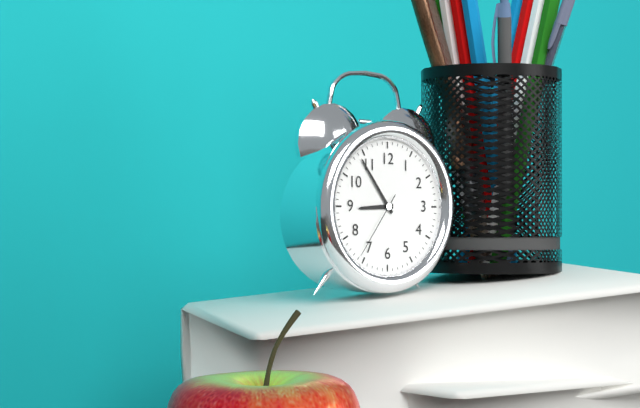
8:54:36
